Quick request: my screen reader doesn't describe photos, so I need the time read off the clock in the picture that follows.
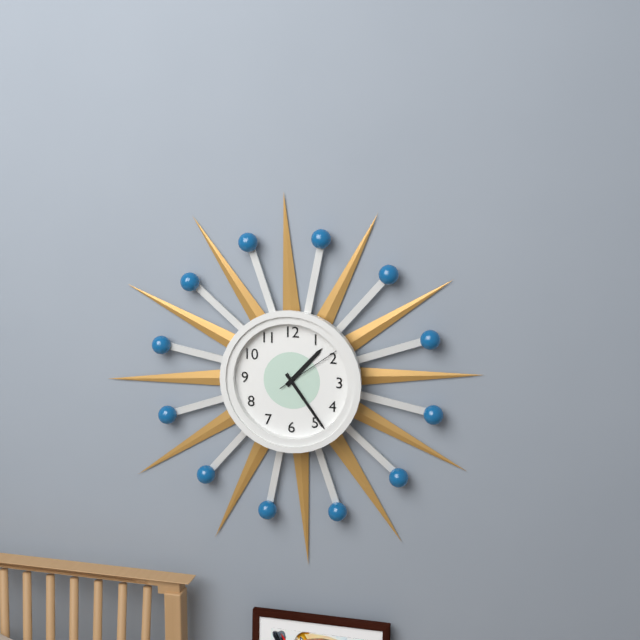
1:24:09
